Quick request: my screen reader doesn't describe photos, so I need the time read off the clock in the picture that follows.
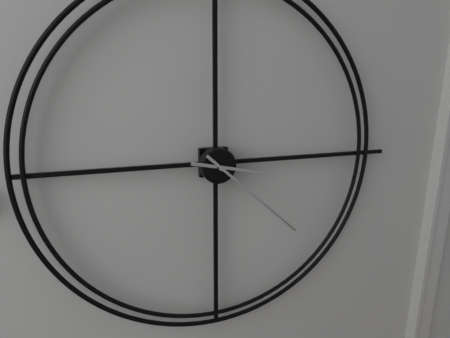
3:22
